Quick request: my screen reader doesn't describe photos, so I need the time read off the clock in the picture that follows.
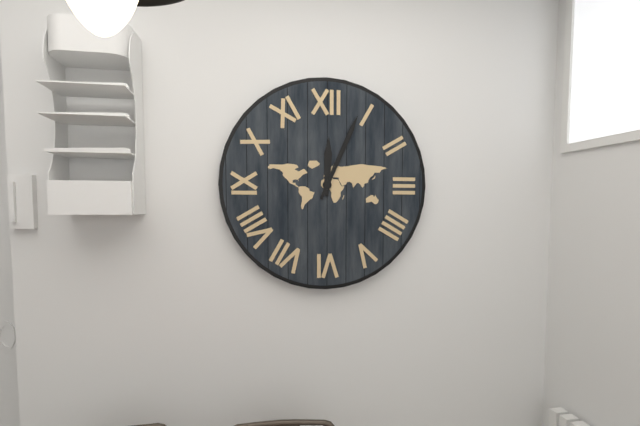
12:04
